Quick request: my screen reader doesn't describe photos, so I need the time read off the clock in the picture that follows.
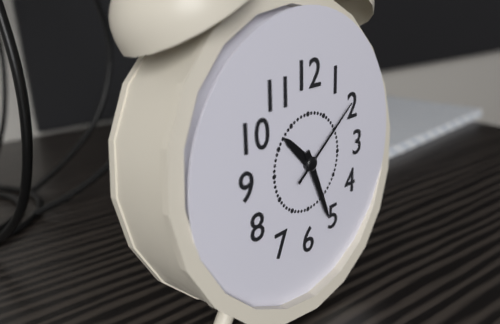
10:26:09
